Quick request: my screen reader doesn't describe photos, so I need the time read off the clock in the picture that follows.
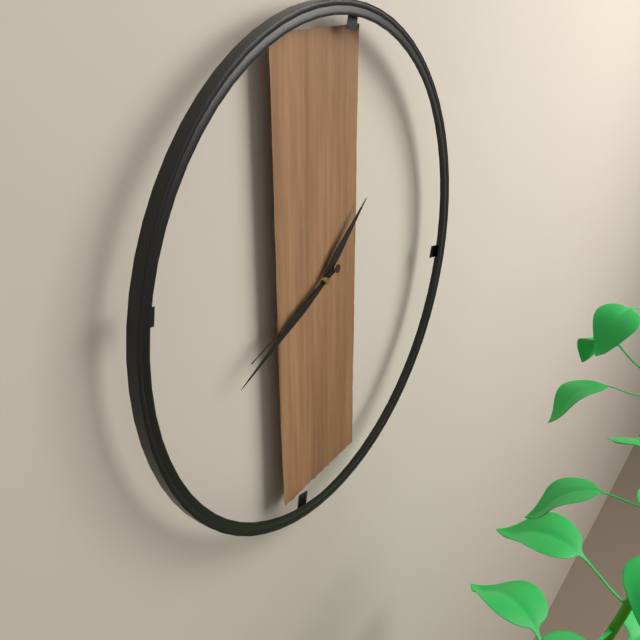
1:41:42
